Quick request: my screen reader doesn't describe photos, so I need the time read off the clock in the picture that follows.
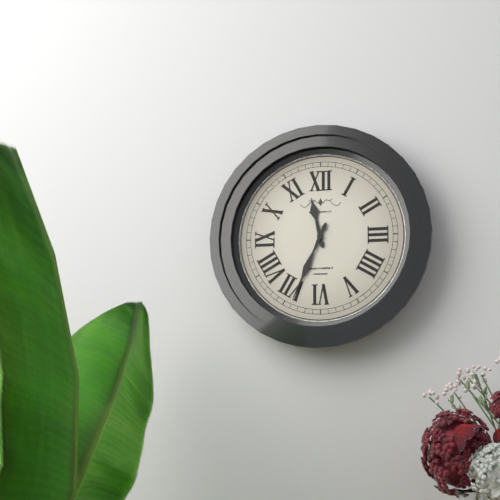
11:34
